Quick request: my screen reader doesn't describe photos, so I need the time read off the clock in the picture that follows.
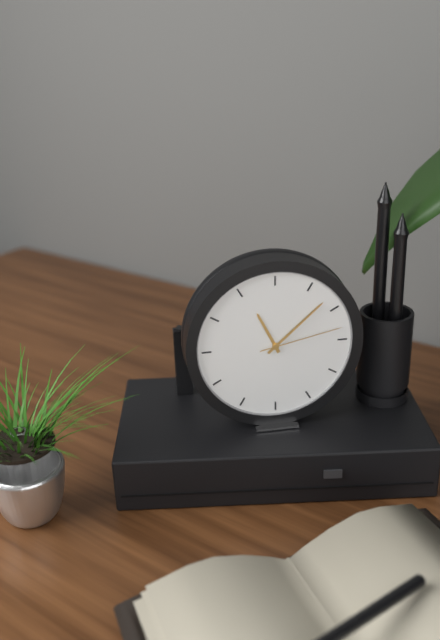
11:08:13
